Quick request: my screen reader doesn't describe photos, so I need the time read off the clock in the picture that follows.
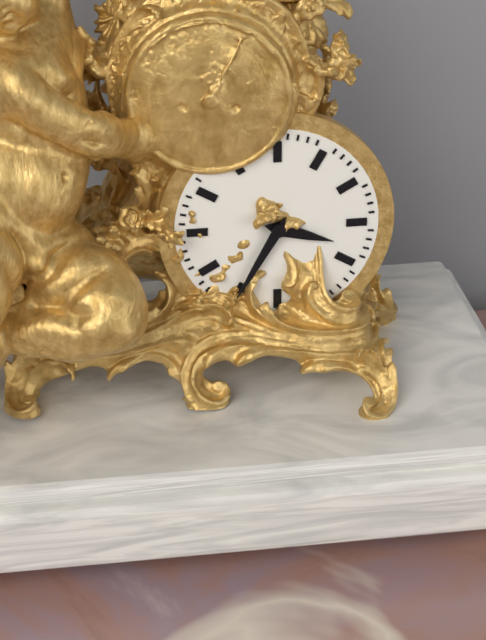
3:35
